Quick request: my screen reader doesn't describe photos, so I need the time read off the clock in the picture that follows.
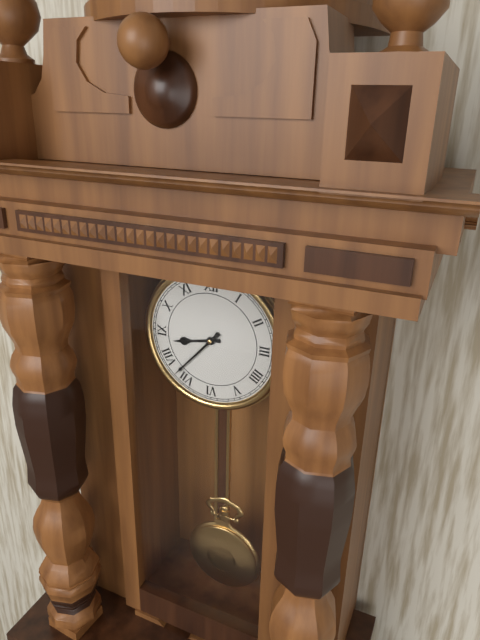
8:37
